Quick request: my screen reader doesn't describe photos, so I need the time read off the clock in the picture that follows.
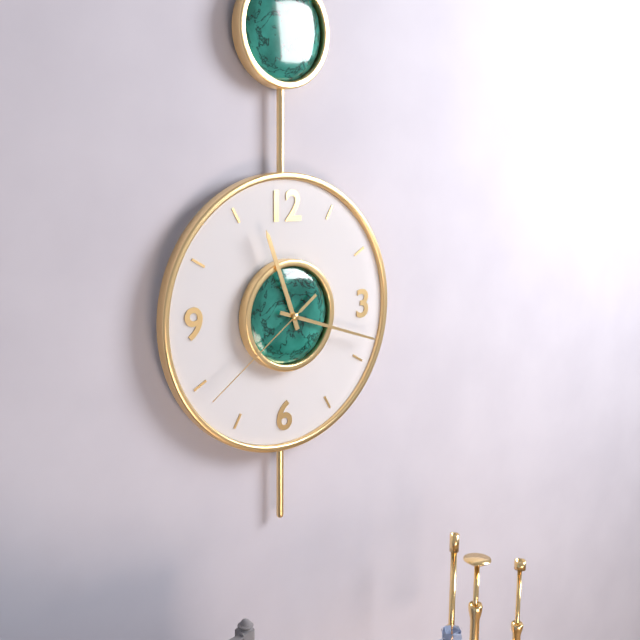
11:18:39
